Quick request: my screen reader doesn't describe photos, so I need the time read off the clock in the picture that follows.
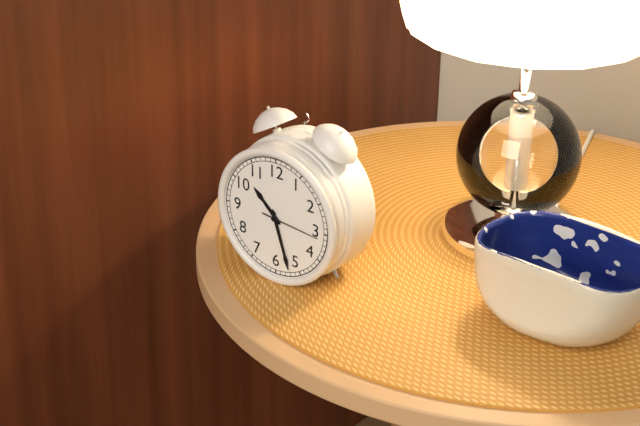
10:27:16
